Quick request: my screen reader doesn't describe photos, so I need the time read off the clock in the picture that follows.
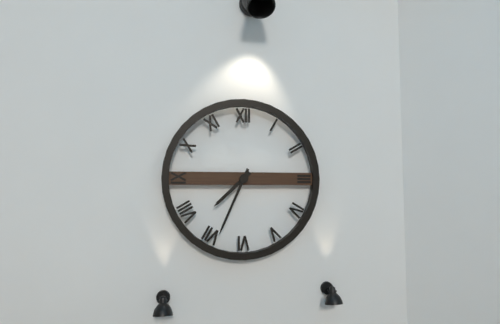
7:34
